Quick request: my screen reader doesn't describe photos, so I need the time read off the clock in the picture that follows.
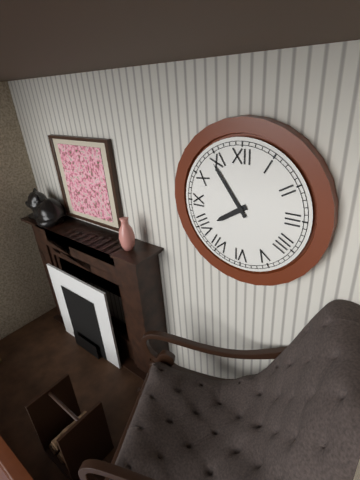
7:54
